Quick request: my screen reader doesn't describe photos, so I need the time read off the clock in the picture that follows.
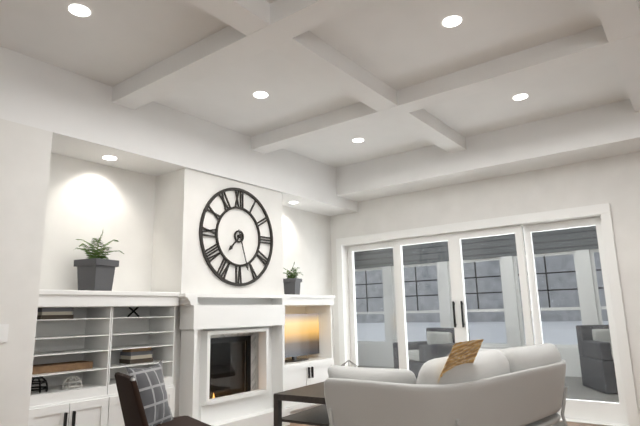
7:27
